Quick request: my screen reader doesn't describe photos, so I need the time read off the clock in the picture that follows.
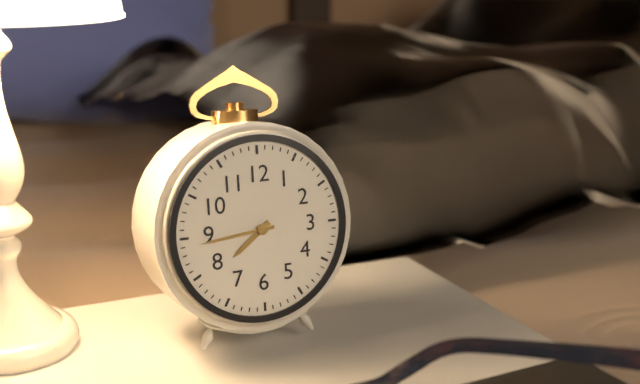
7:44
